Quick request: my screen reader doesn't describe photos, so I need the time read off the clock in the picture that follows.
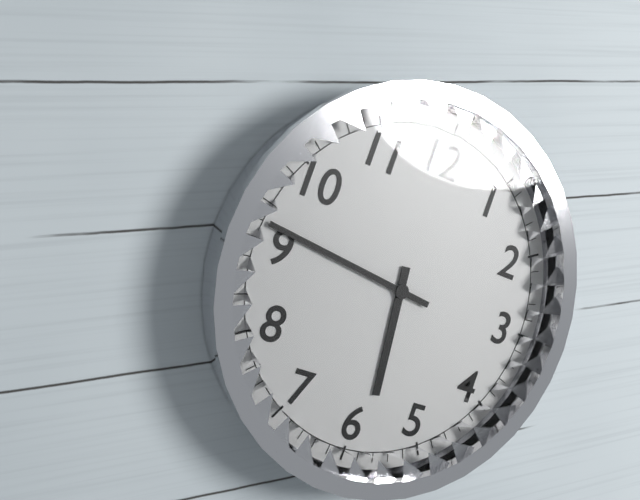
5:46
